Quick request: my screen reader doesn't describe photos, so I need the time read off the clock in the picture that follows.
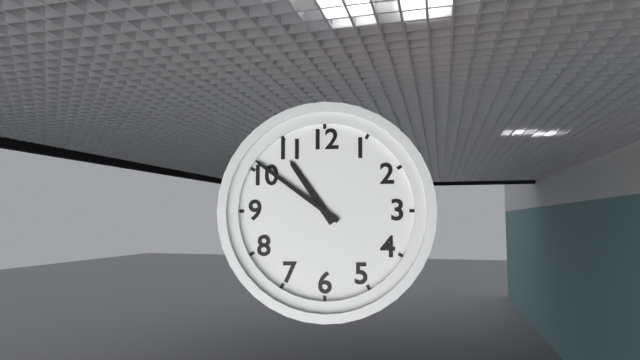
10:51
